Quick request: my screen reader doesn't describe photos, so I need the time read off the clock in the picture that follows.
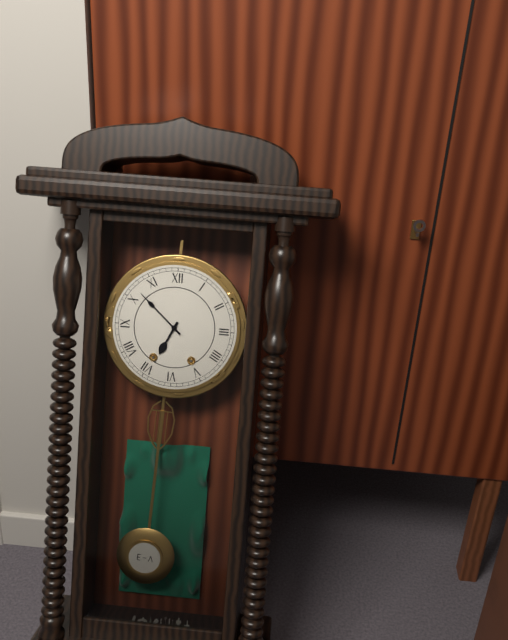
6:52
